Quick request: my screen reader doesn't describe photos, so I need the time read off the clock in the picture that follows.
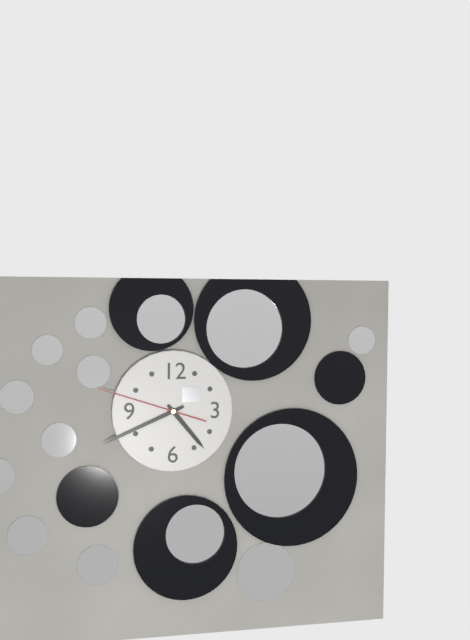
4:41:48
